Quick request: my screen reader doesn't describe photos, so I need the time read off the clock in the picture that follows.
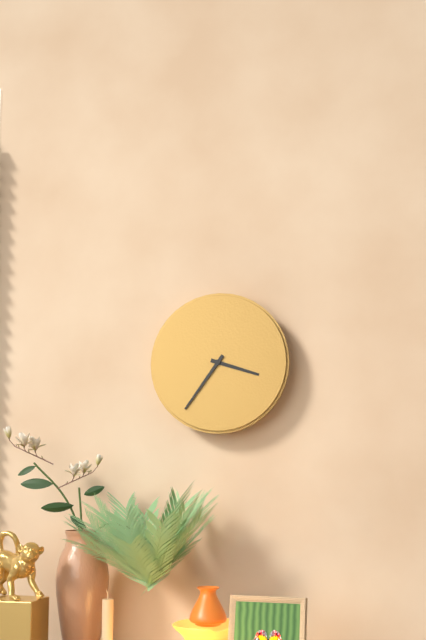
3:36
